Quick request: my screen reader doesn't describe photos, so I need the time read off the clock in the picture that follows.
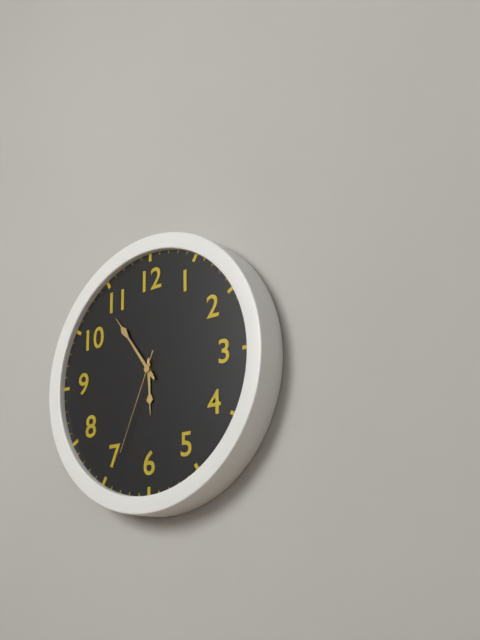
5:54:34
